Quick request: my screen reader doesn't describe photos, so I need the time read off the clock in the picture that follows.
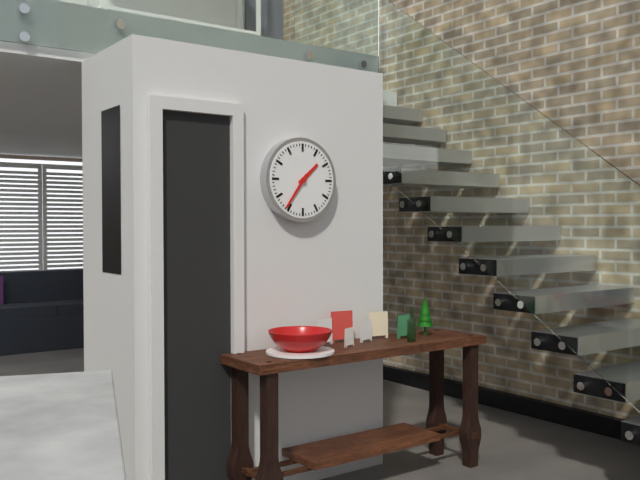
1:36
